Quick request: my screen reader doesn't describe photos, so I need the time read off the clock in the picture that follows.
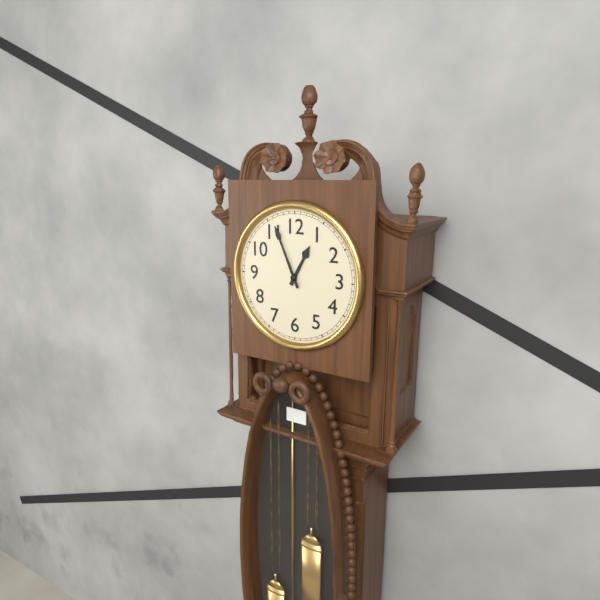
12:56
